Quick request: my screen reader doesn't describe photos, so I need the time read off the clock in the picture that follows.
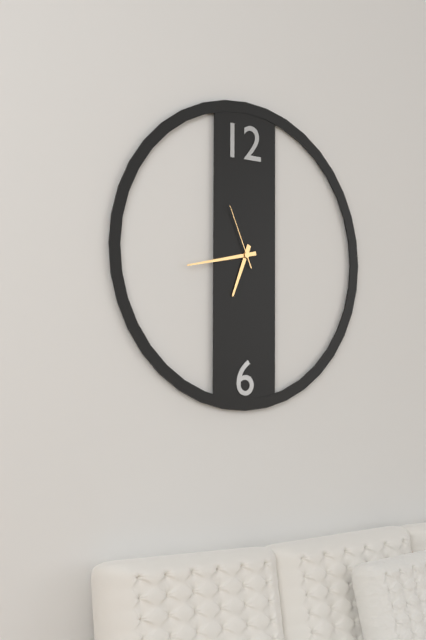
6:43:56
